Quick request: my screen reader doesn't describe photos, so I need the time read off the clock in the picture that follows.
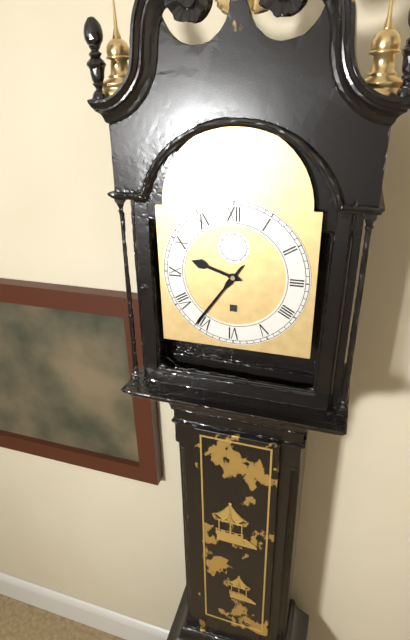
9:36
